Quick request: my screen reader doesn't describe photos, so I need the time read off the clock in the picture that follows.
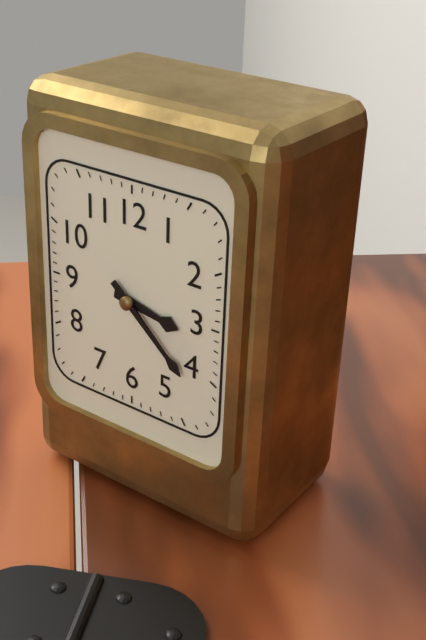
3:22
